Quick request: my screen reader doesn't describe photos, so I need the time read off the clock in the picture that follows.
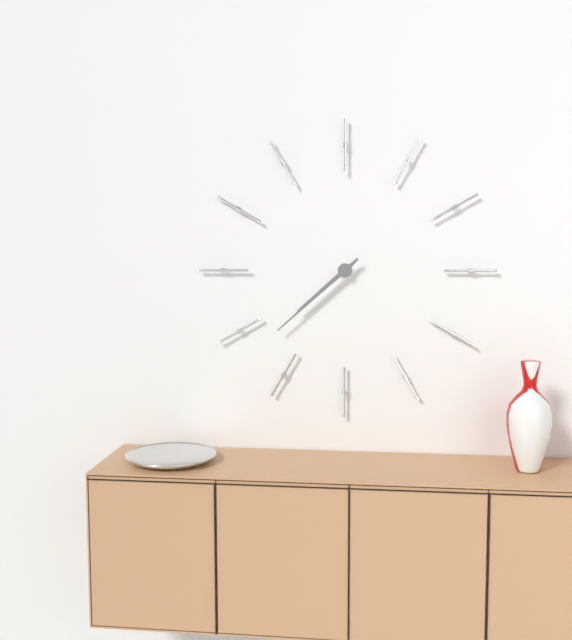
7:38
